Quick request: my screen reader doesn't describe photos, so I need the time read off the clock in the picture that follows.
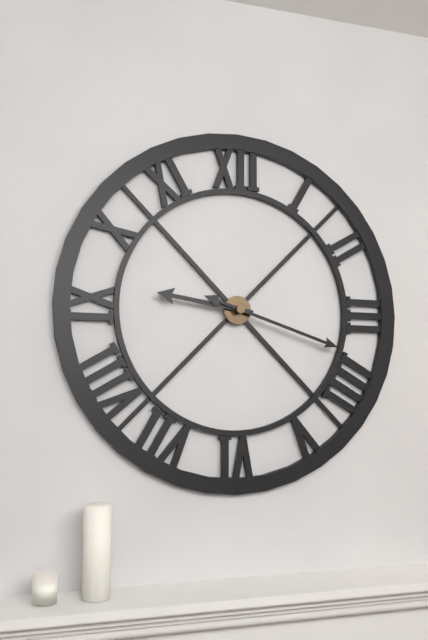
9:18
